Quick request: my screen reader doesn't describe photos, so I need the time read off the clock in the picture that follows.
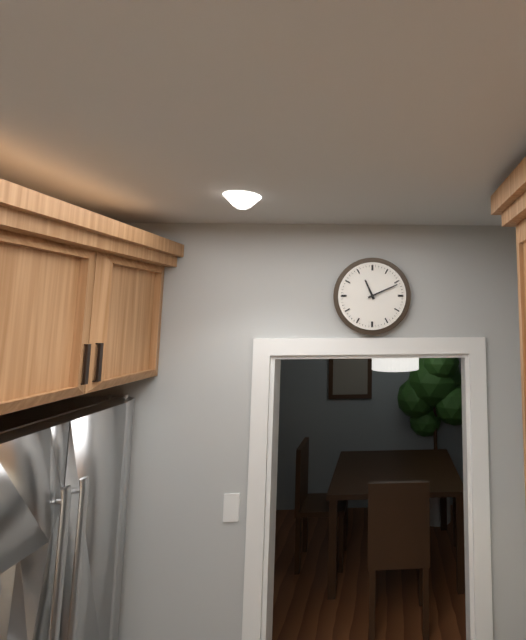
11:11
